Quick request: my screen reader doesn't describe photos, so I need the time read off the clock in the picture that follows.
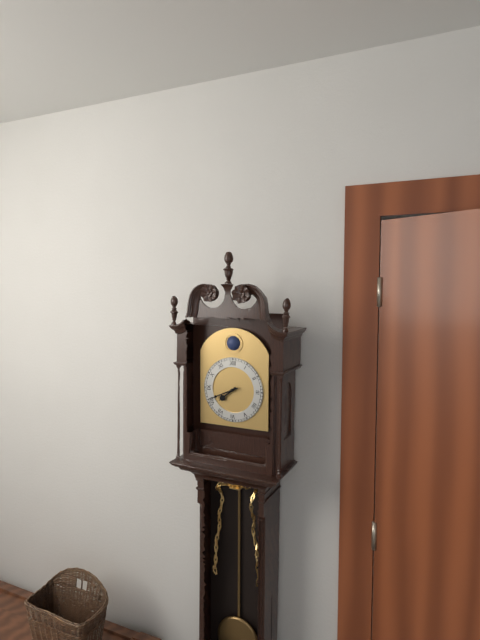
7:41
